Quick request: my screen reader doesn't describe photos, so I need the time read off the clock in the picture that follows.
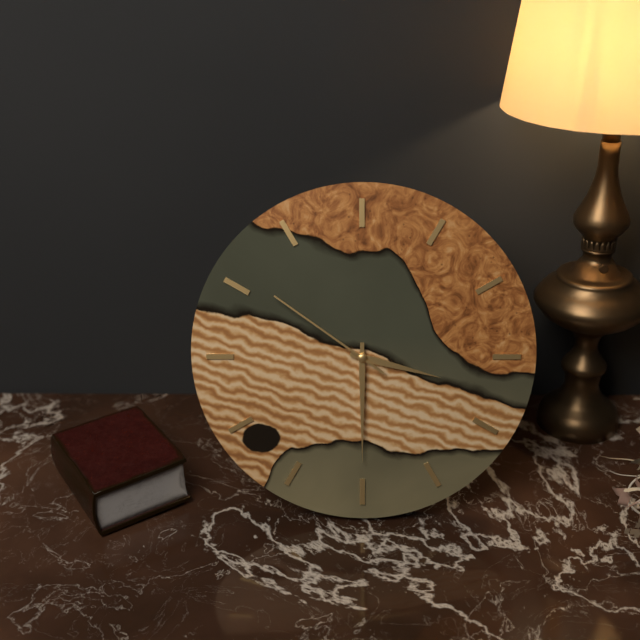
3:30:51
